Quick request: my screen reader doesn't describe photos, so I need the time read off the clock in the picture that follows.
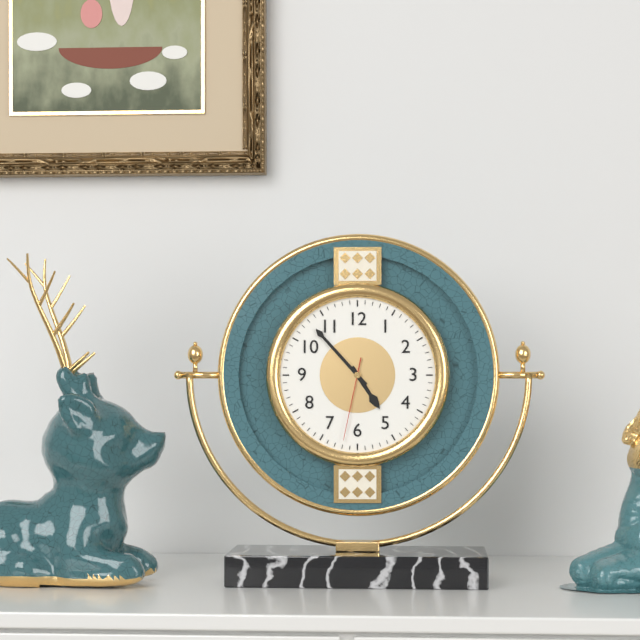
4:53:32
